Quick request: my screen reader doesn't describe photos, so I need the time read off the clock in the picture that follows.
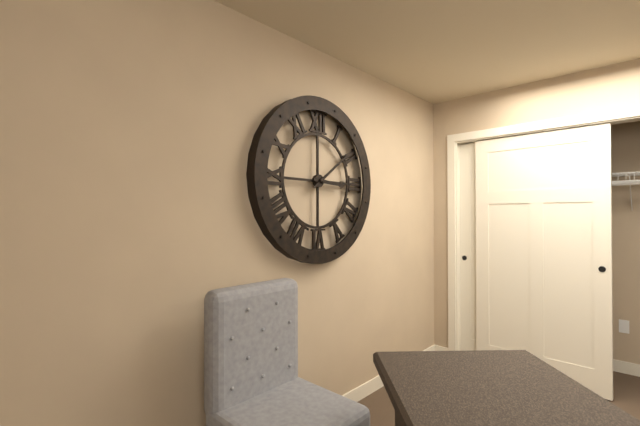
3:09
